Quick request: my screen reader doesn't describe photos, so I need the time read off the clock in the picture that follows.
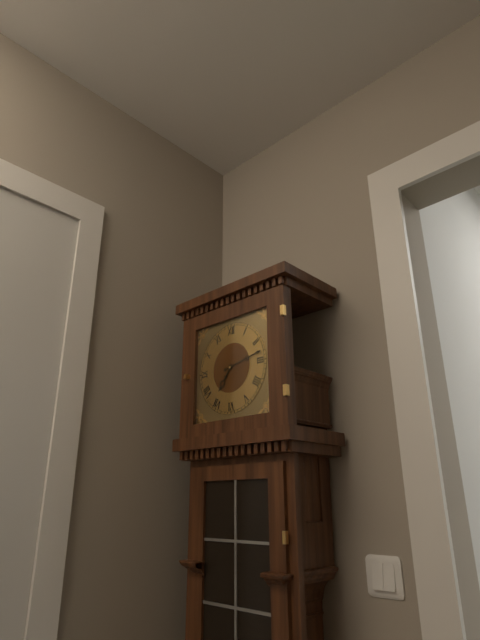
7:13
